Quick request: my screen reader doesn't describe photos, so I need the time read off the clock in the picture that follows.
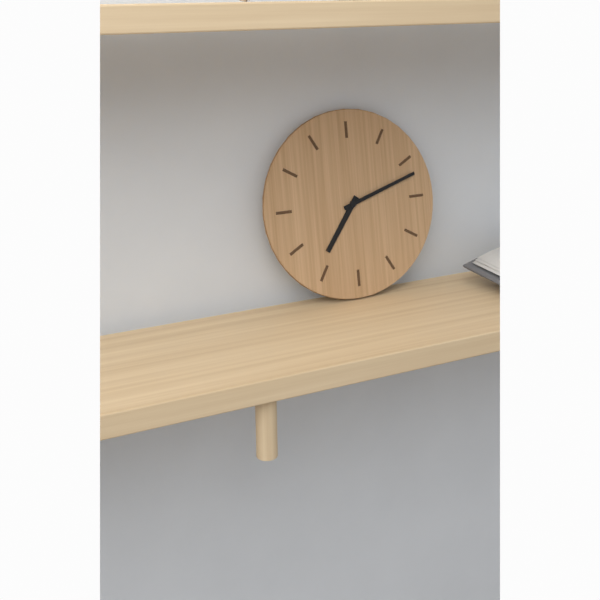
7:12
